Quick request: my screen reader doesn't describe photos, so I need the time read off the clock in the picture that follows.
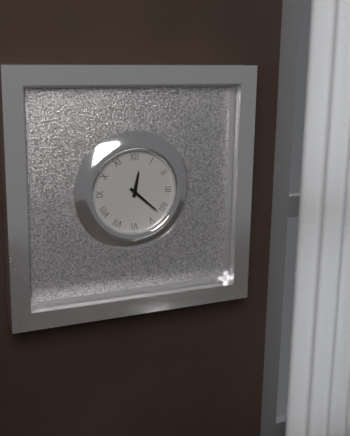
12:22
